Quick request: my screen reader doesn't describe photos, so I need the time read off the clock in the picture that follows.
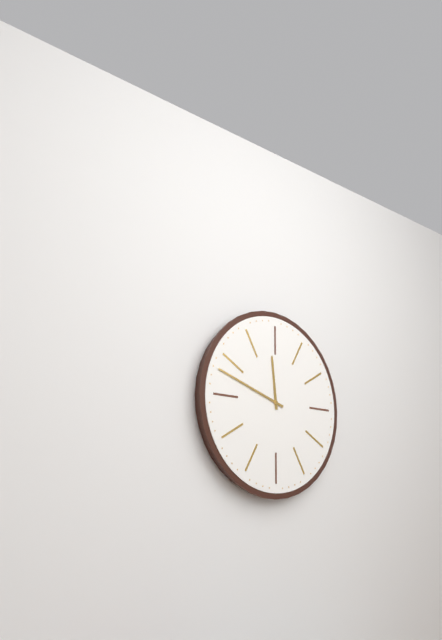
11:48
